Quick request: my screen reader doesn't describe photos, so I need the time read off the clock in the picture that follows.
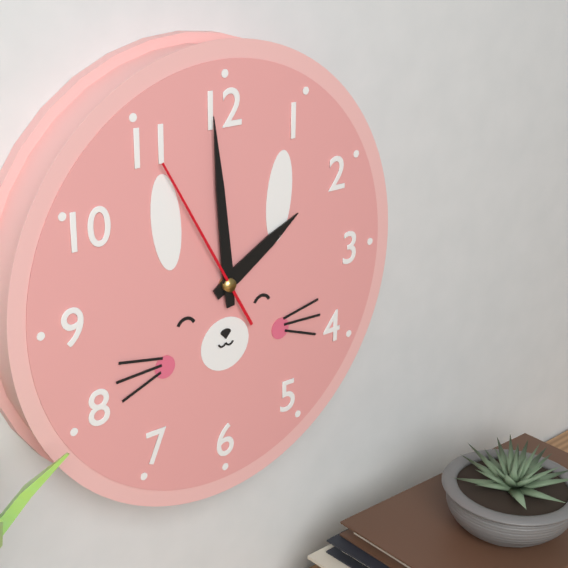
1:59:55
